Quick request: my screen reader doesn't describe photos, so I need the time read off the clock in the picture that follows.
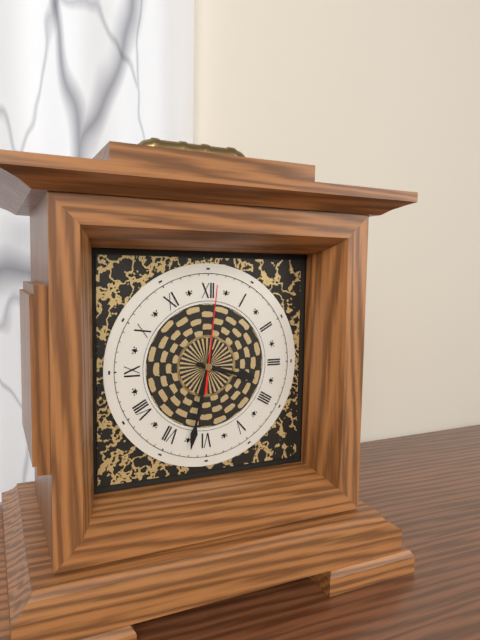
3:32:01
